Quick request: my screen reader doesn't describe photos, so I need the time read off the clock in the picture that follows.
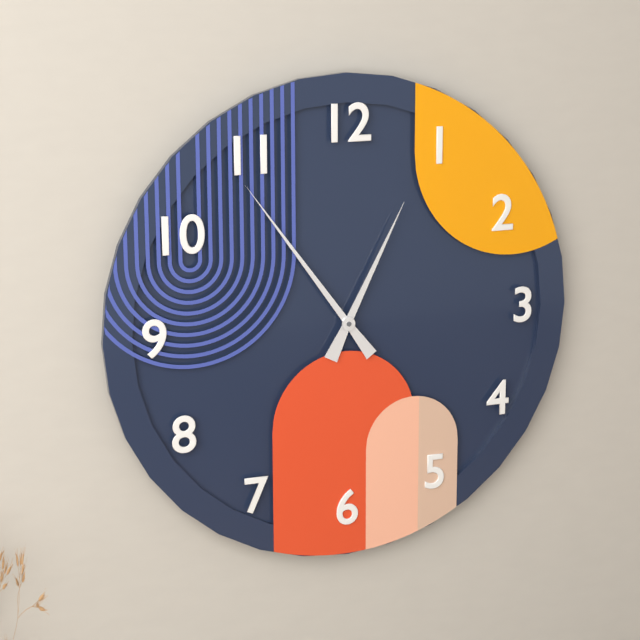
12:54
